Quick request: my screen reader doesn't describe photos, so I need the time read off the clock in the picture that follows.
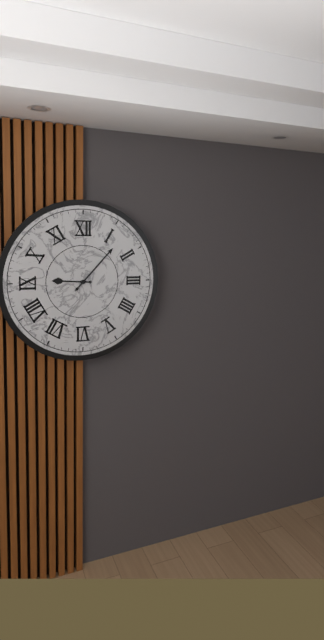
9:07
